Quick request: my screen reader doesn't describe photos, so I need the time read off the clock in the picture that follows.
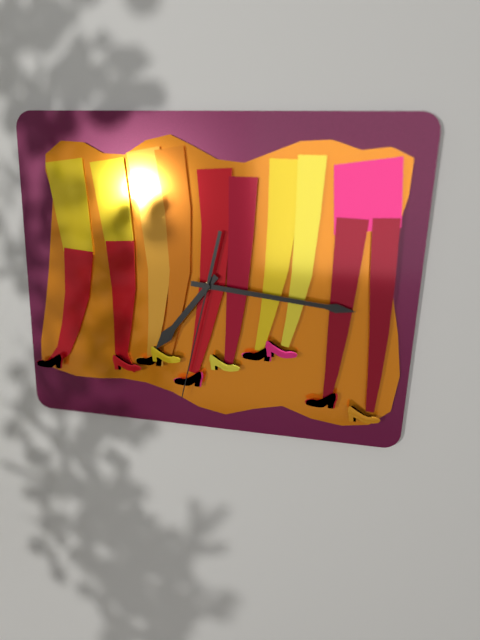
7:16:32
